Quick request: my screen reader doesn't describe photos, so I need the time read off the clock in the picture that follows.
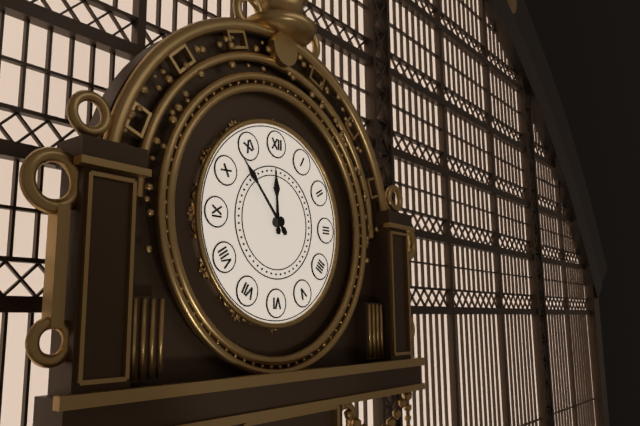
11:53
